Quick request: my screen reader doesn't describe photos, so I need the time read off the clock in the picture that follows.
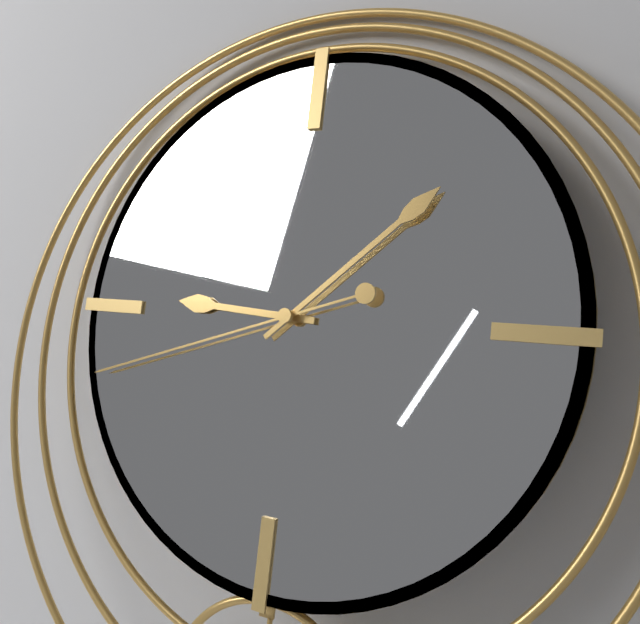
9:08:42
